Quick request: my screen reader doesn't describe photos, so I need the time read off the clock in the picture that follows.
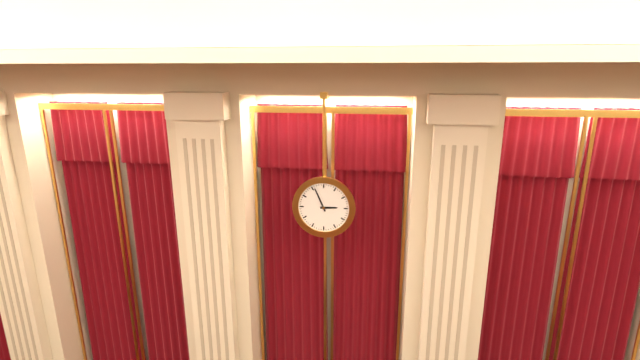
2:56
